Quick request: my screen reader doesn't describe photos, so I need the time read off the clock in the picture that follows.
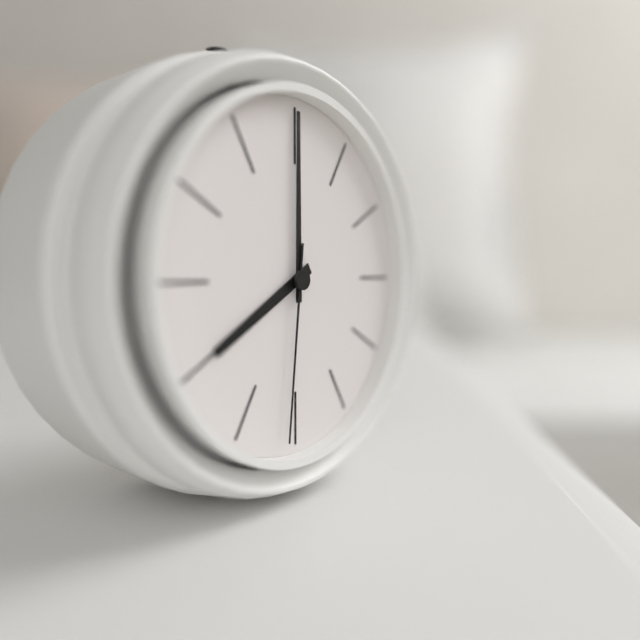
8:00:31
